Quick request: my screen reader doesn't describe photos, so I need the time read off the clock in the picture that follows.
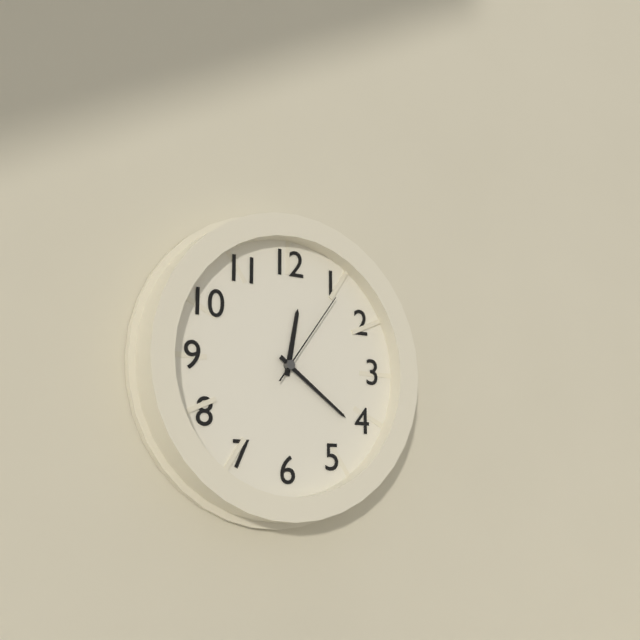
12:21:06
